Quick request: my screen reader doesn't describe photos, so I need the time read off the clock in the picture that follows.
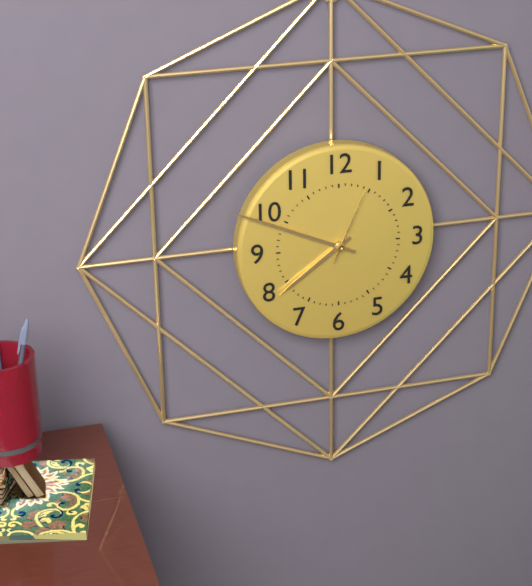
7:49:04
